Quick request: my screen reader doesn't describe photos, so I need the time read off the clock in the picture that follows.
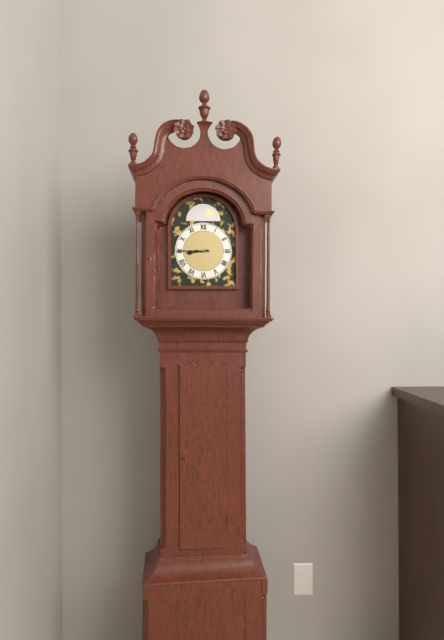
8:45
